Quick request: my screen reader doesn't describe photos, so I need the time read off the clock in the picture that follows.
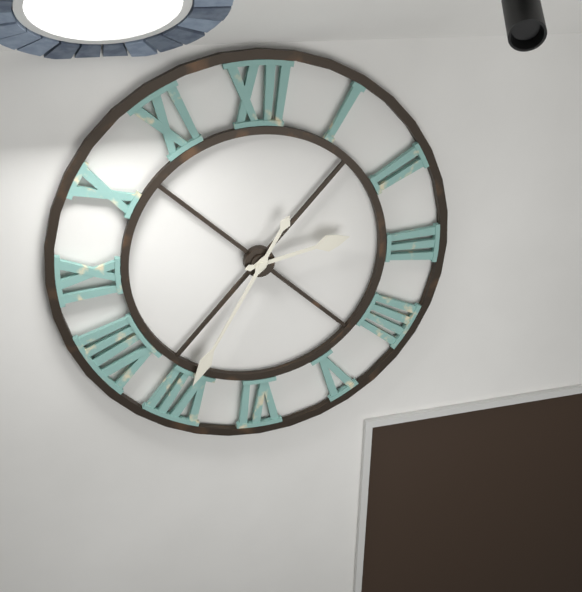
2:35
